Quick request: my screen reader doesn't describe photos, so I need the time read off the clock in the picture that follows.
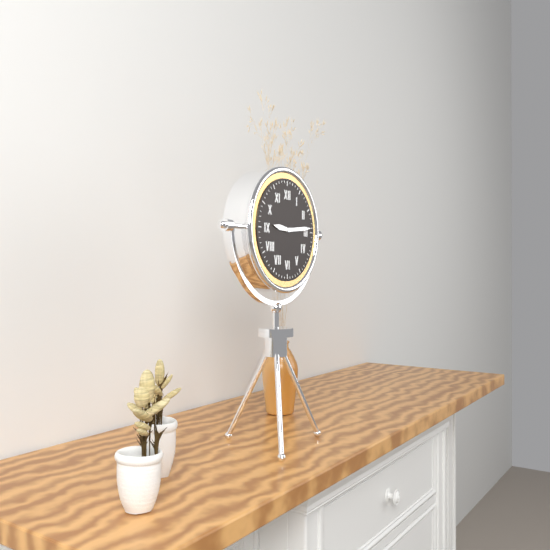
9:14
